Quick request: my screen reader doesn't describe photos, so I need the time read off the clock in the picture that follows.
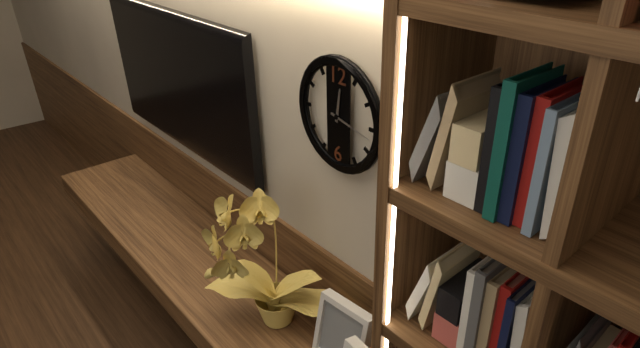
12:17
